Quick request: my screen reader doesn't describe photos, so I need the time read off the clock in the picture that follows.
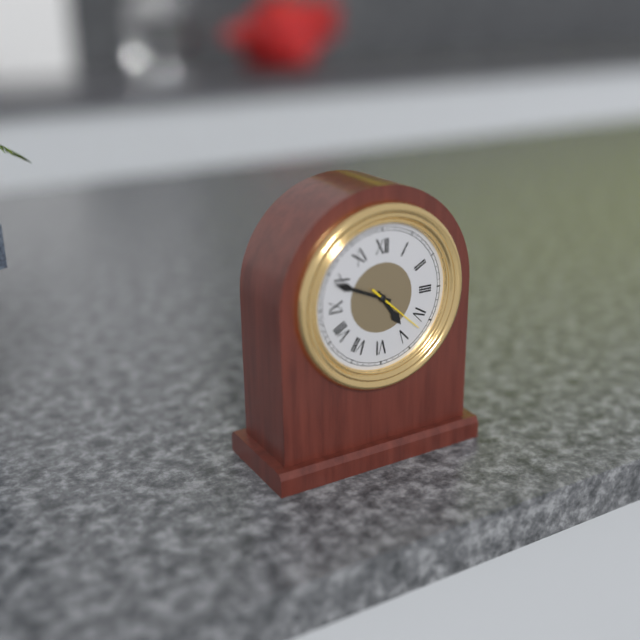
4:49:22
